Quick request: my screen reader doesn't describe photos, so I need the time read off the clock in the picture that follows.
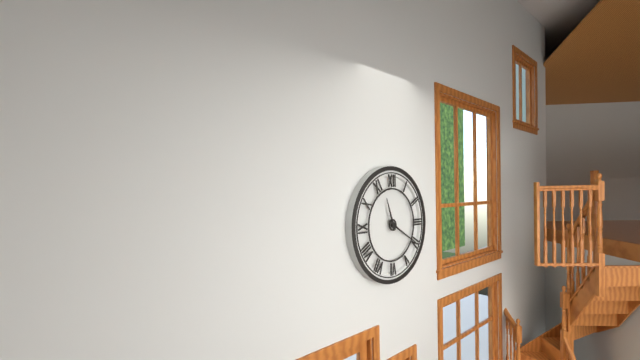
11:20
